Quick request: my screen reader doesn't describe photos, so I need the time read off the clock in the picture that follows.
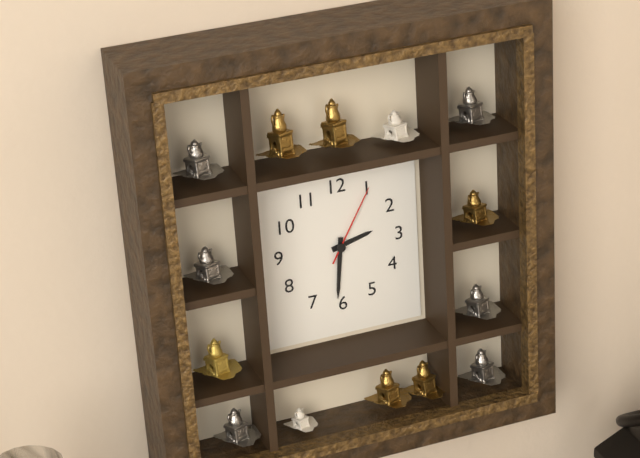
2:31:05
